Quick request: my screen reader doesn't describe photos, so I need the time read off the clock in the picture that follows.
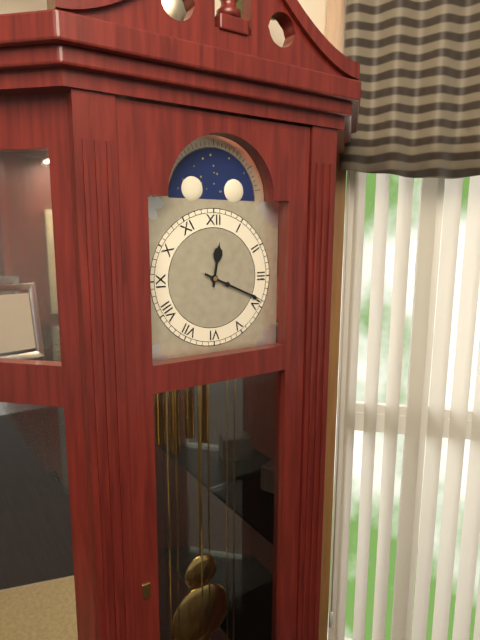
12:19
